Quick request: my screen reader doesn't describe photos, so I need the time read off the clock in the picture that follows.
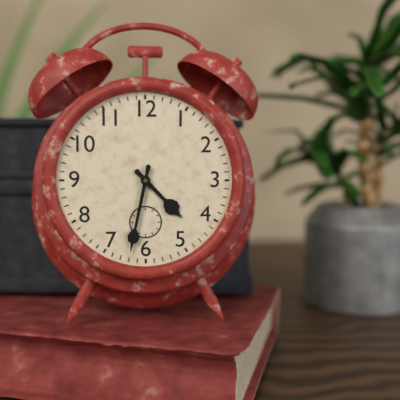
4:32
